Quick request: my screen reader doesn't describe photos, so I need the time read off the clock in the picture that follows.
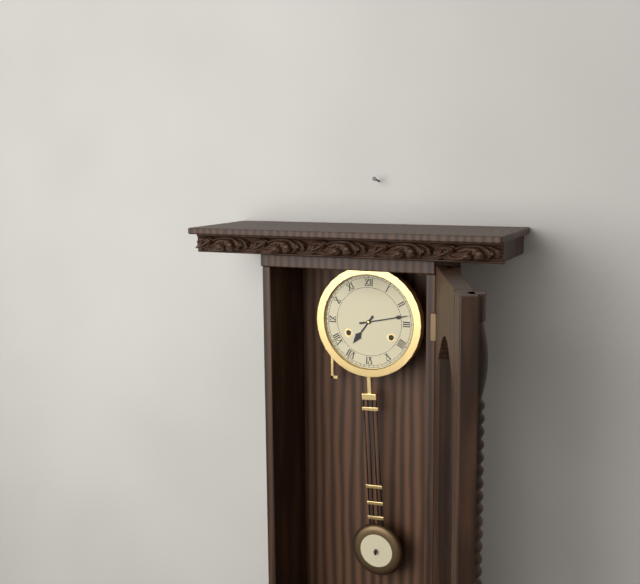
7:13
